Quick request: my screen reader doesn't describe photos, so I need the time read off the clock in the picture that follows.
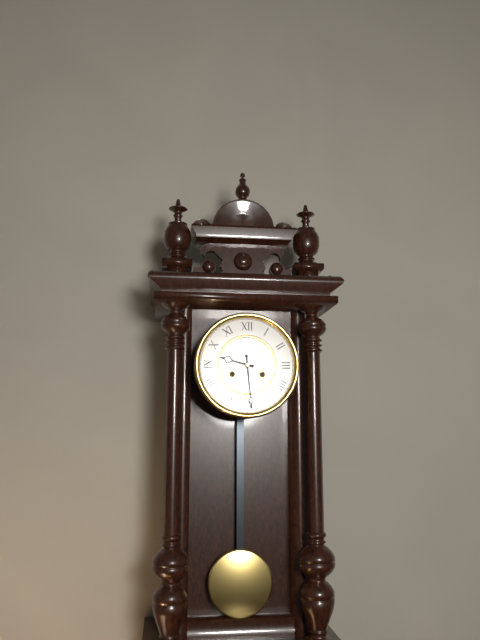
9:29
